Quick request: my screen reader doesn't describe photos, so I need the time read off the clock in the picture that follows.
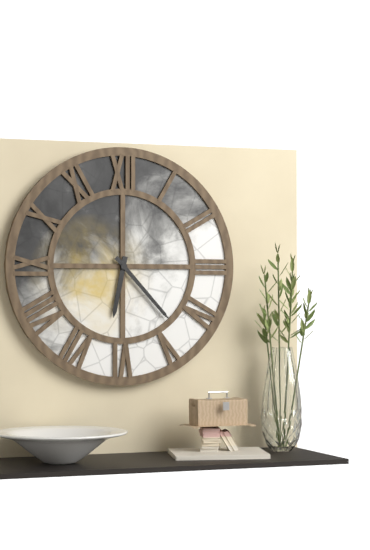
6:23
